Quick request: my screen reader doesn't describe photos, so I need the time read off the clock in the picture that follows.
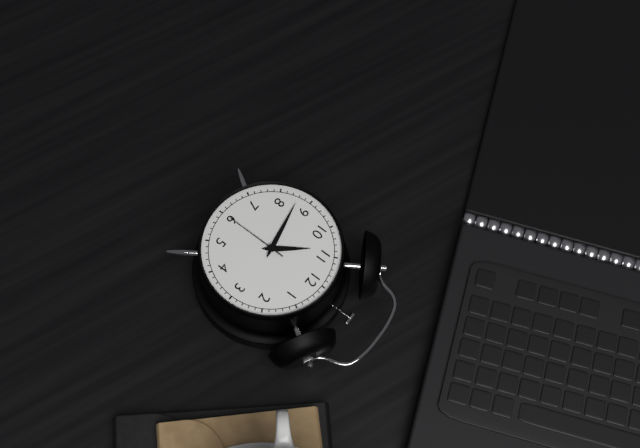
10:43:30
